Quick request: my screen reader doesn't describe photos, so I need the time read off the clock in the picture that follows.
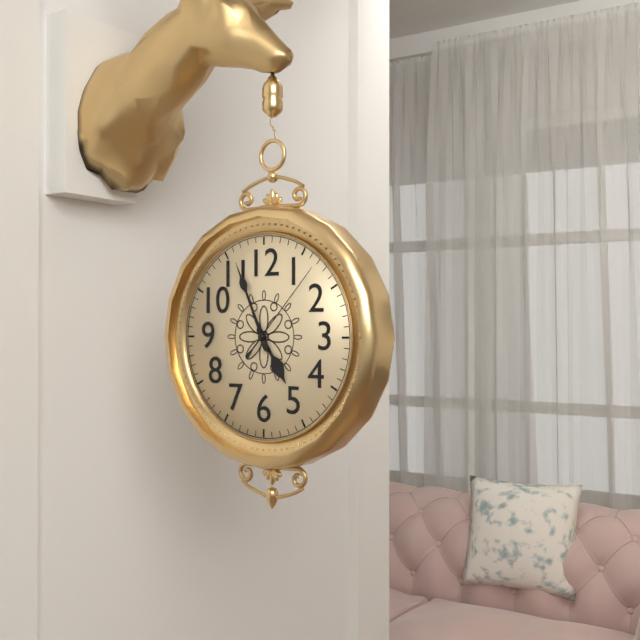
4:56:07
